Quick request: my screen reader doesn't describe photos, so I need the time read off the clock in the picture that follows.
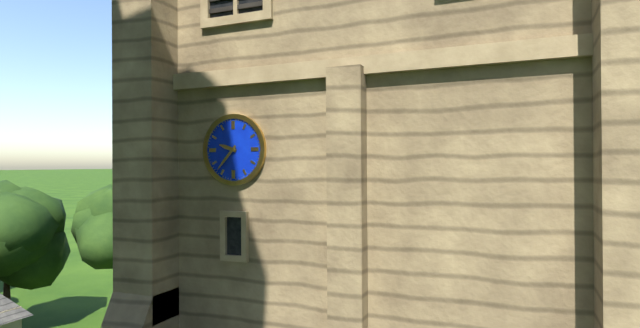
9:37
